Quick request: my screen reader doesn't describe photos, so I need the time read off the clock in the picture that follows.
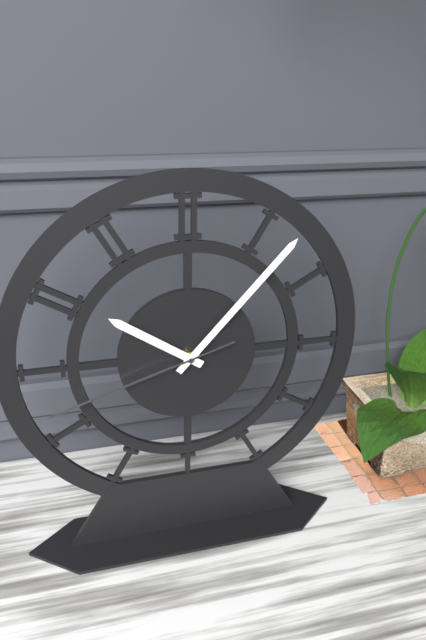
10:07:42
